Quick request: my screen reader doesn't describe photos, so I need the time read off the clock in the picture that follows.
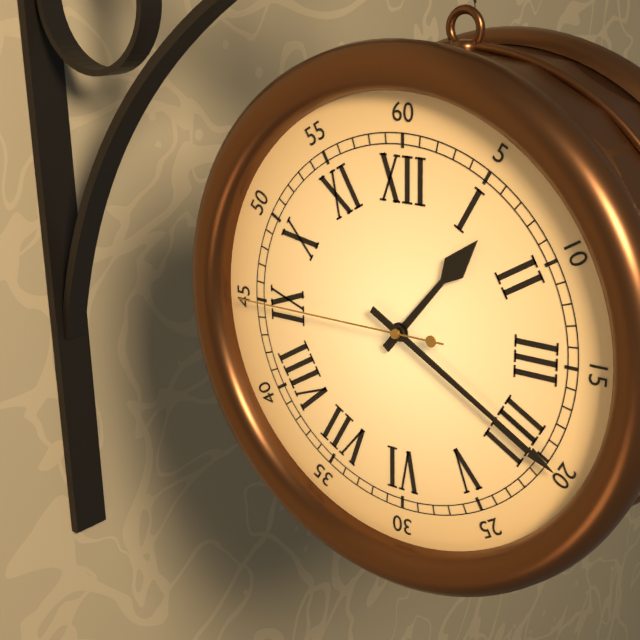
1:20:45
